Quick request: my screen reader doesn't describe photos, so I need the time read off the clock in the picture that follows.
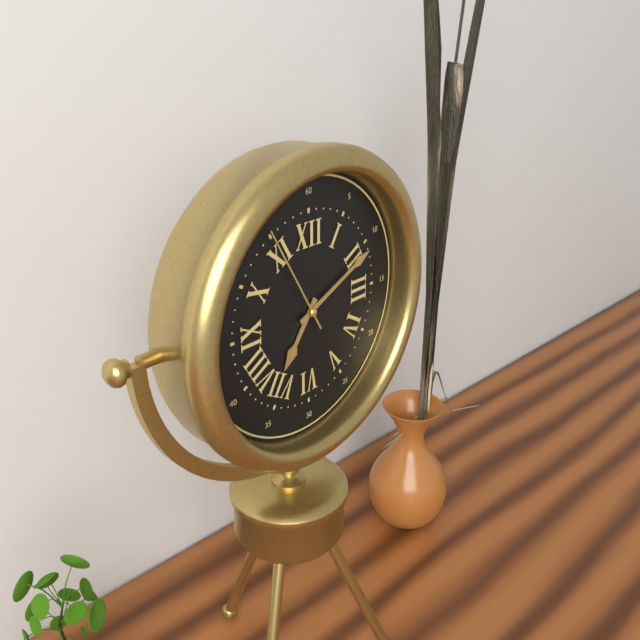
7:11:55
